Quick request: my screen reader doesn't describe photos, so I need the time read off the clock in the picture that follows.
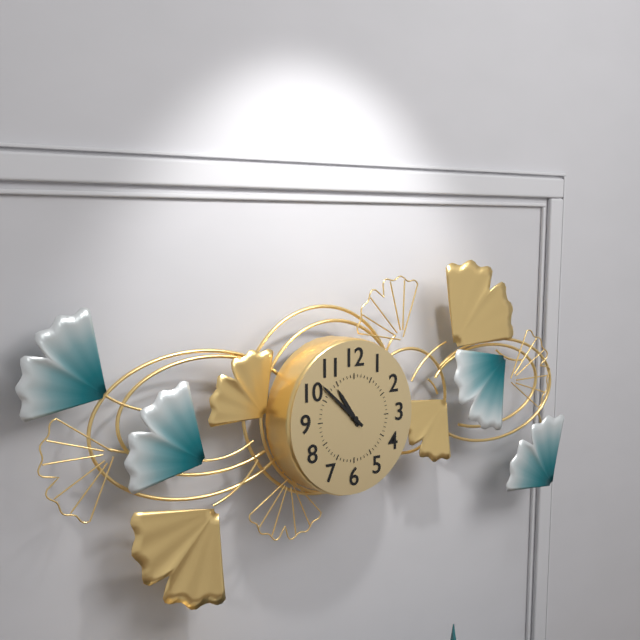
10:52
